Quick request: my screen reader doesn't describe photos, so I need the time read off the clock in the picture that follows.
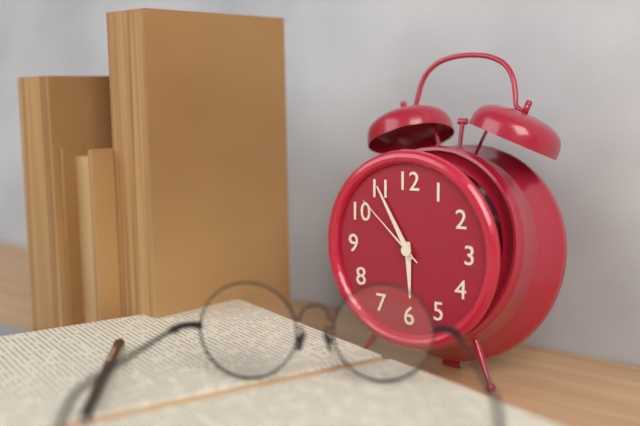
5:55:52
